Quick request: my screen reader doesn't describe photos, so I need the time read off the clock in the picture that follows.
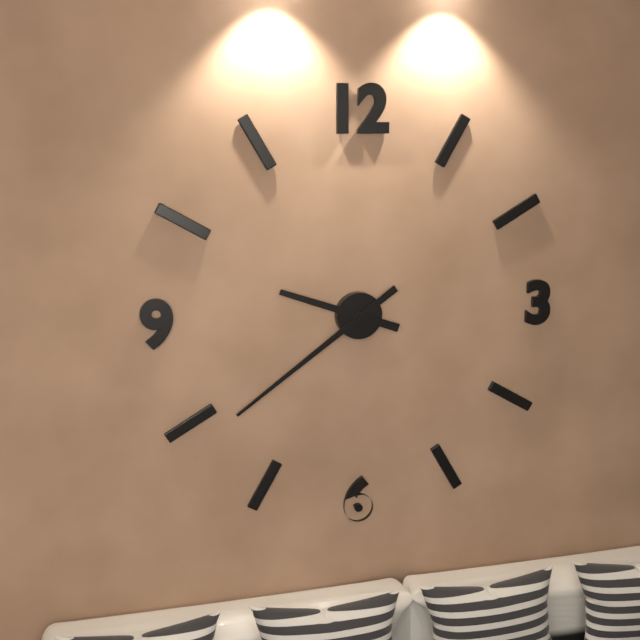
9:39
